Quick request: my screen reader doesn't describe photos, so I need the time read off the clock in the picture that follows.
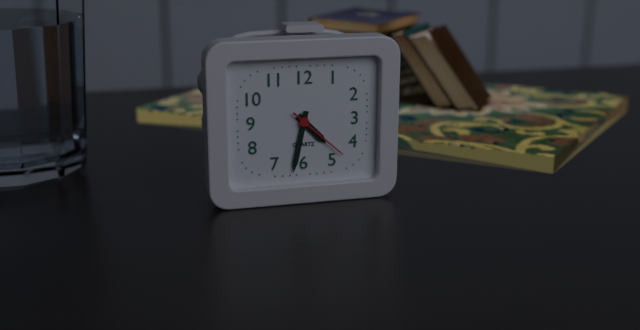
4:32:22
